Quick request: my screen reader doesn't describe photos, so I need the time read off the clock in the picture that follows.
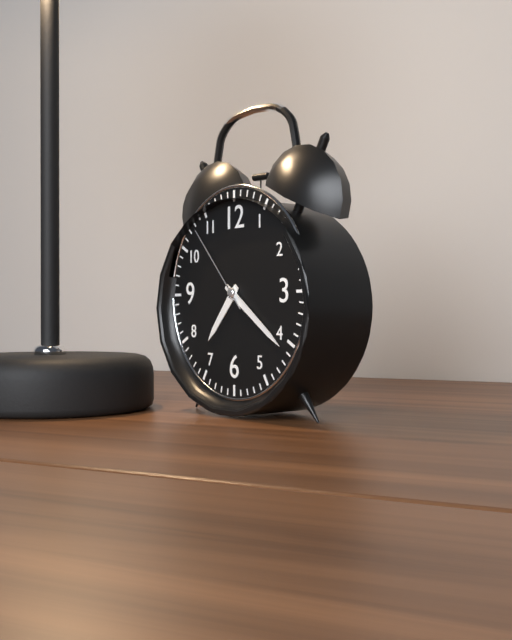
7:21:53
